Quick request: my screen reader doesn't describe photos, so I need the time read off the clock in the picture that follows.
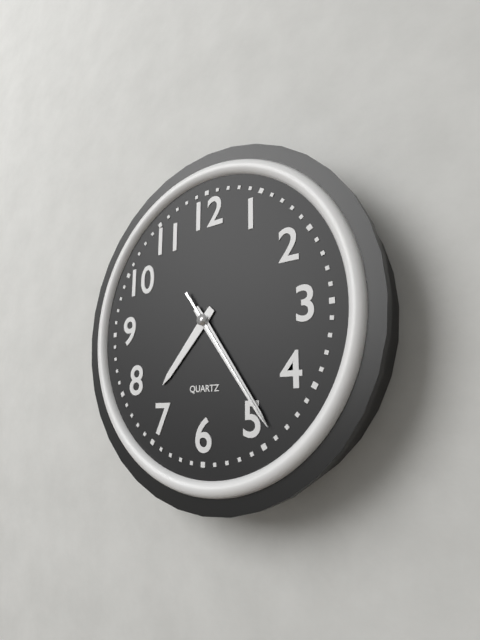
7:24:24
